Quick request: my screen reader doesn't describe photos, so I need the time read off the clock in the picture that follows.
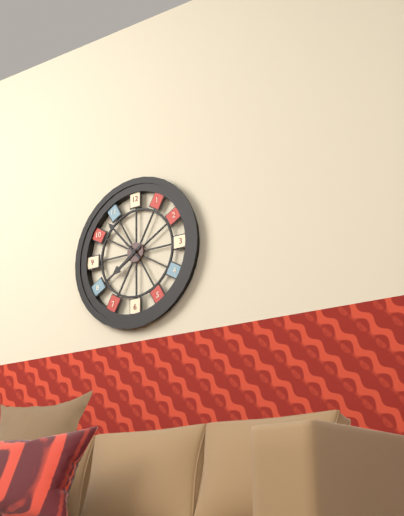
7:53
